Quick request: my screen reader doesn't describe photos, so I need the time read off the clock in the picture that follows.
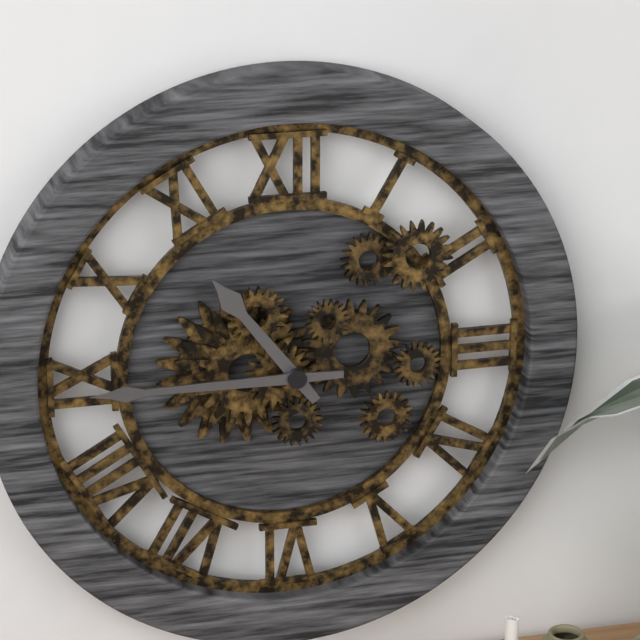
10:45
